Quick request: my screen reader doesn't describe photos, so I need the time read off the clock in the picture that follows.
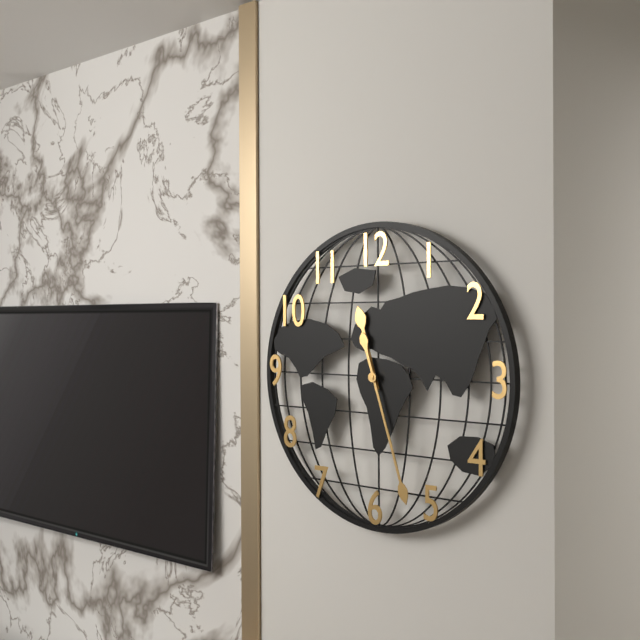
11:27
